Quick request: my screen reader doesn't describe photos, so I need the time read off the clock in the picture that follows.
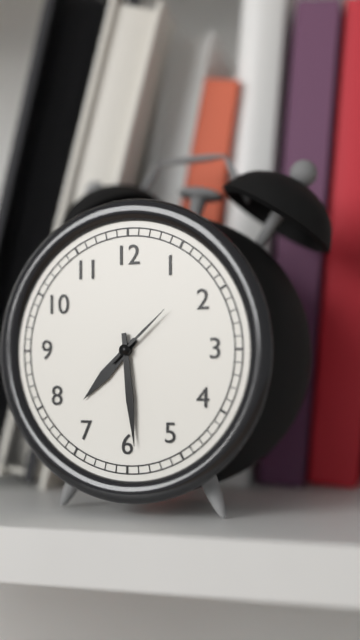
7:29:08
